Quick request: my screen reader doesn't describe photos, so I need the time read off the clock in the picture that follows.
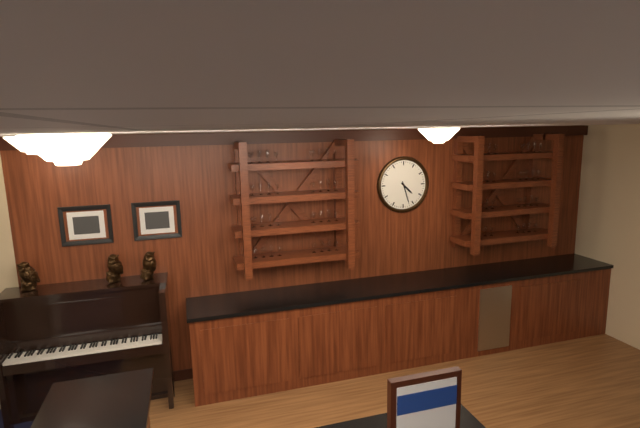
4:27
